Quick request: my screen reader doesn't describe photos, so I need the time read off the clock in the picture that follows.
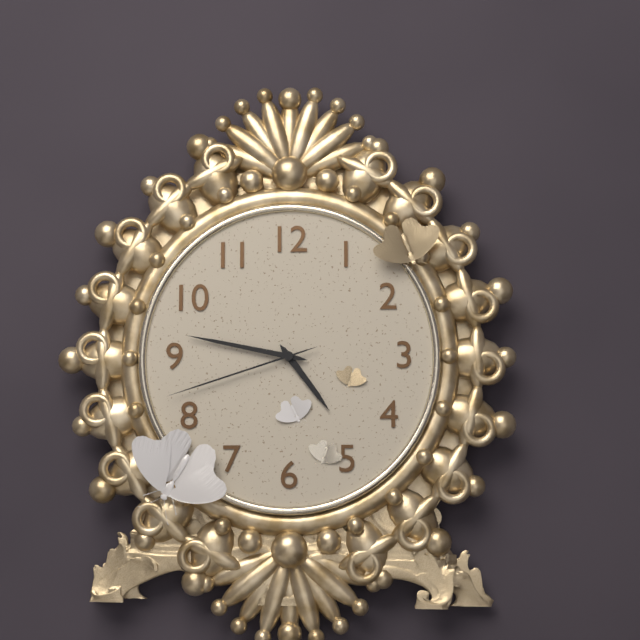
4:47:42
